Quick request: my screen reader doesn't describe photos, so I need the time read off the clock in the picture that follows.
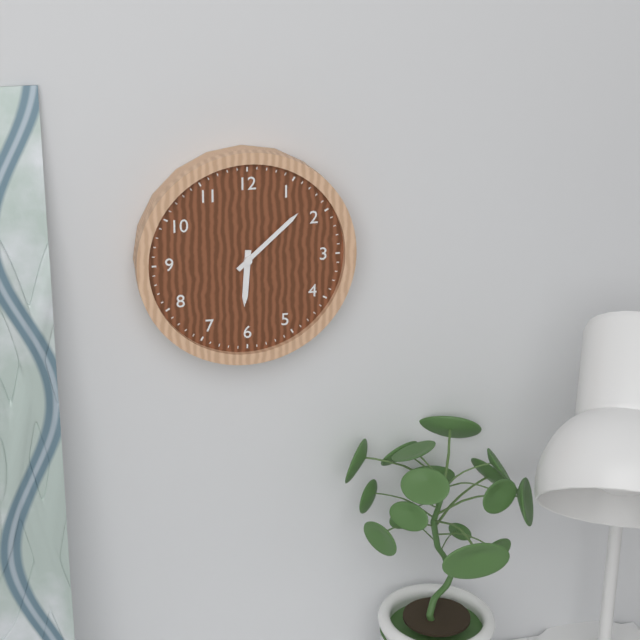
6:08
